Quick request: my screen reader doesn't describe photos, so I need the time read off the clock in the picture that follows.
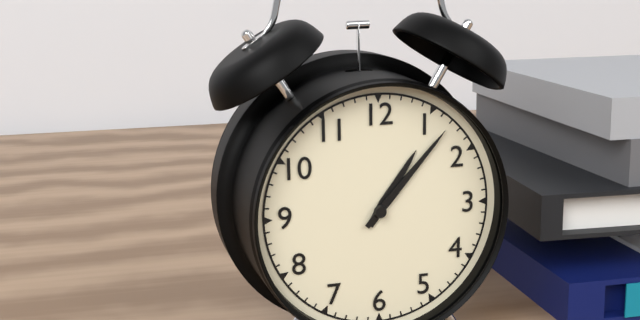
1:07
